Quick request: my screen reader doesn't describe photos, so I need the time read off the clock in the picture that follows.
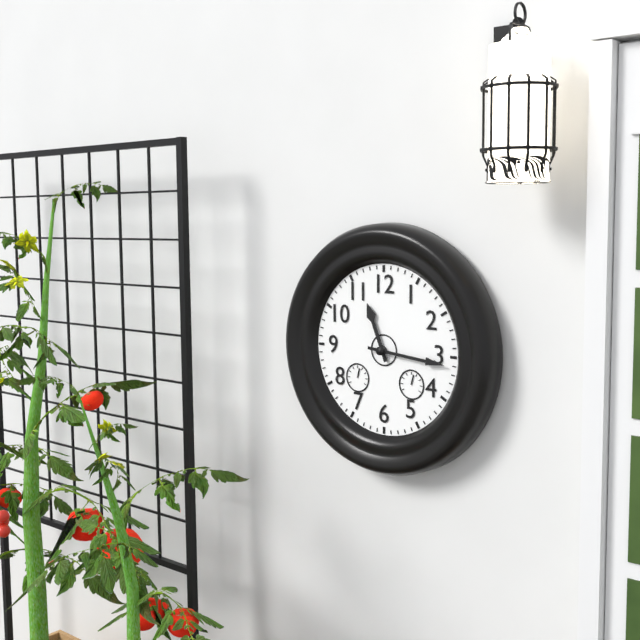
11:16
